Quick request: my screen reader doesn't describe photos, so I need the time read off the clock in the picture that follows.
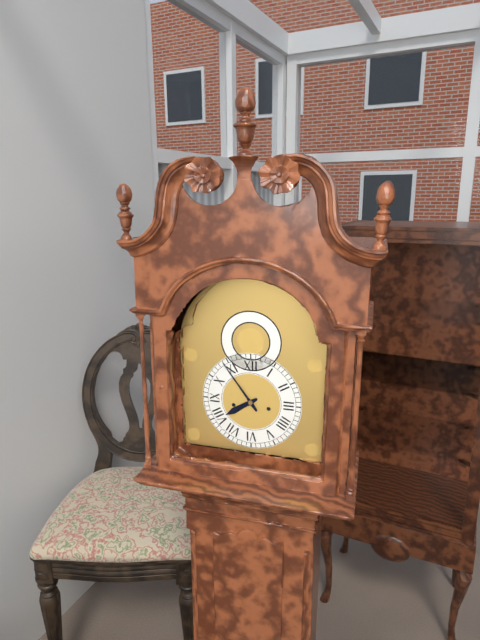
7:54
